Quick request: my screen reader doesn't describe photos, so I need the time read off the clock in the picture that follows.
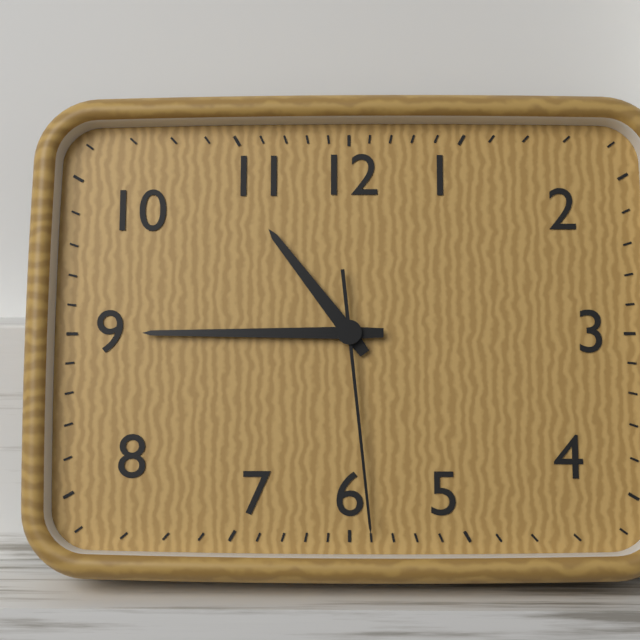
10:45:29
